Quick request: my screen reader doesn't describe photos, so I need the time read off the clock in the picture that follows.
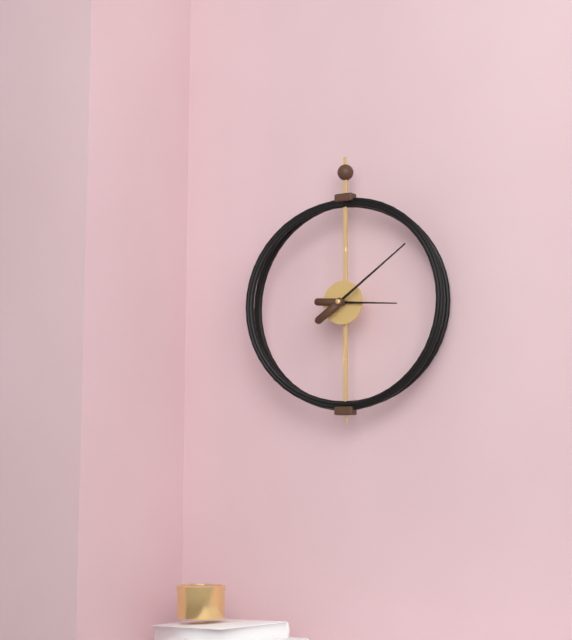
3:09
